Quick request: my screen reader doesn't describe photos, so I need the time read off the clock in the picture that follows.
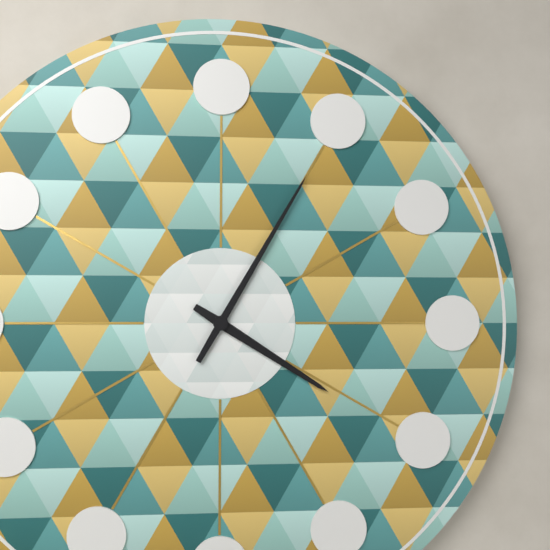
4:05
